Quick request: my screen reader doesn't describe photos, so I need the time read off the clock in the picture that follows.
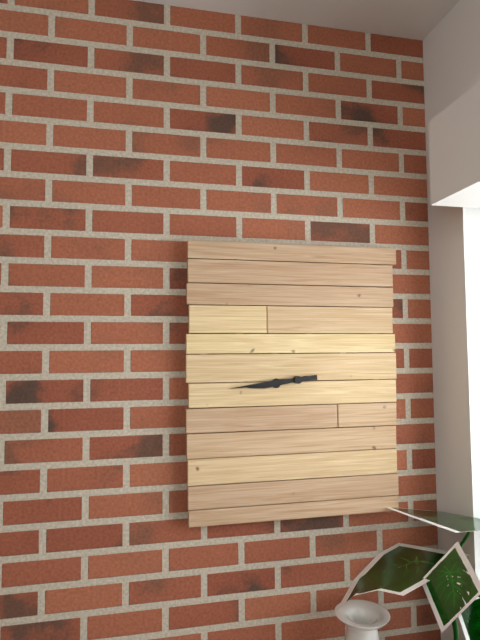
8:44
